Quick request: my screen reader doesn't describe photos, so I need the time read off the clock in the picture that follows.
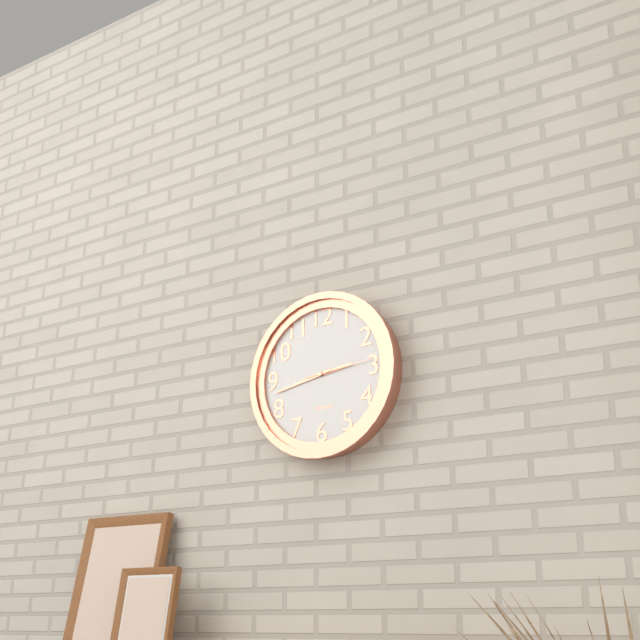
2:43:14
